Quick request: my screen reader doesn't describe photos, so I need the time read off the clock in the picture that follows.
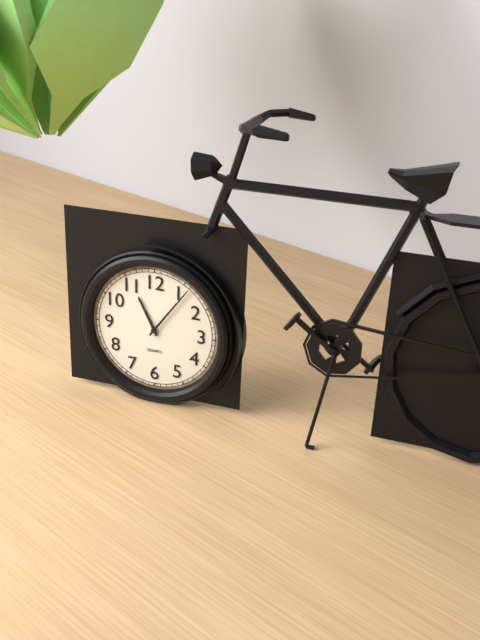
11:06
